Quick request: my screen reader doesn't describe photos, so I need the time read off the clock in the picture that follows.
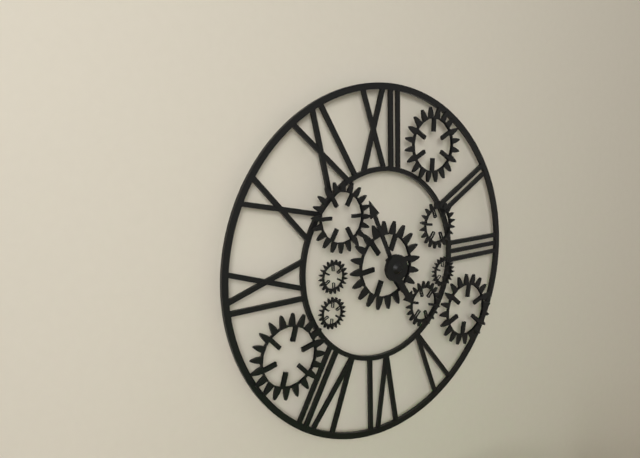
4:56
